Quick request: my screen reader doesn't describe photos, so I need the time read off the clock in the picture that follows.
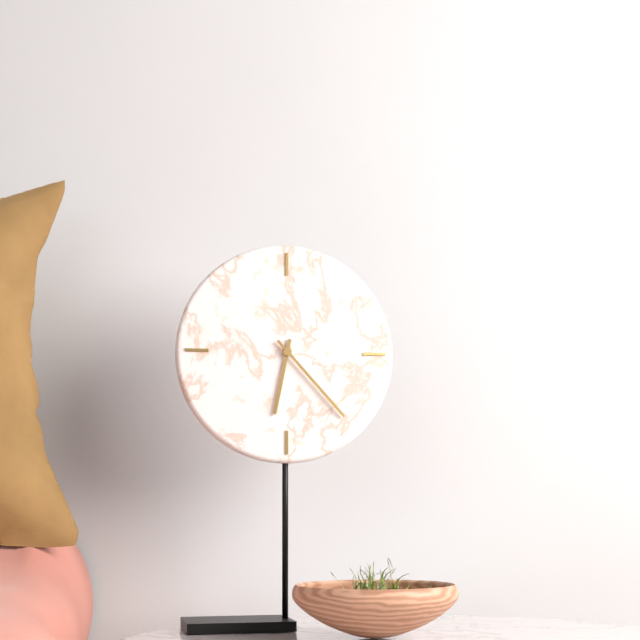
6:23
